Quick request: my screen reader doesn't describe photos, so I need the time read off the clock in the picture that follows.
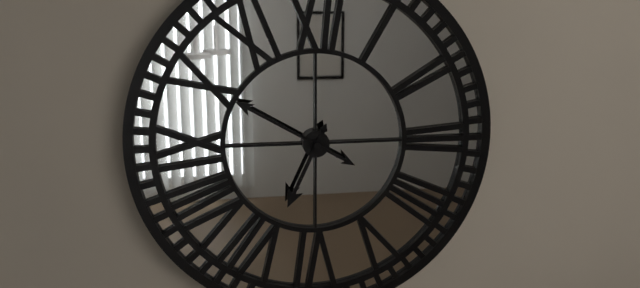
6:50
